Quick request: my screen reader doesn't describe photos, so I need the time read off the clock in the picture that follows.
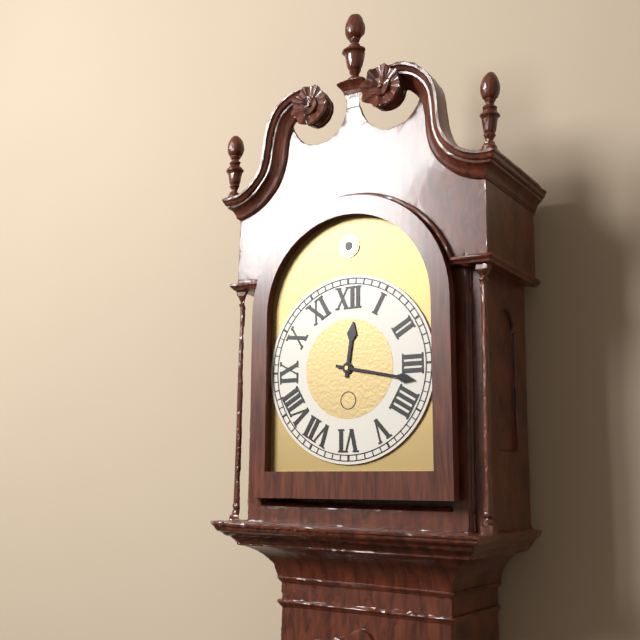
12:17
